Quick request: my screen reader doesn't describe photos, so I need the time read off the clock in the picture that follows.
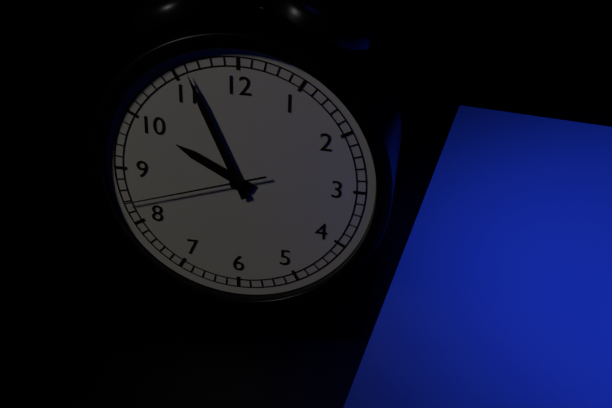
9:56:42
